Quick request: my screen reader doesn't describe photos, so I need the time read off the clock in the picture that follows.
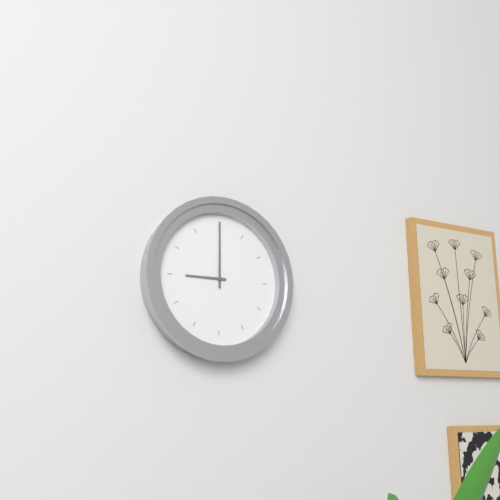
9:00
